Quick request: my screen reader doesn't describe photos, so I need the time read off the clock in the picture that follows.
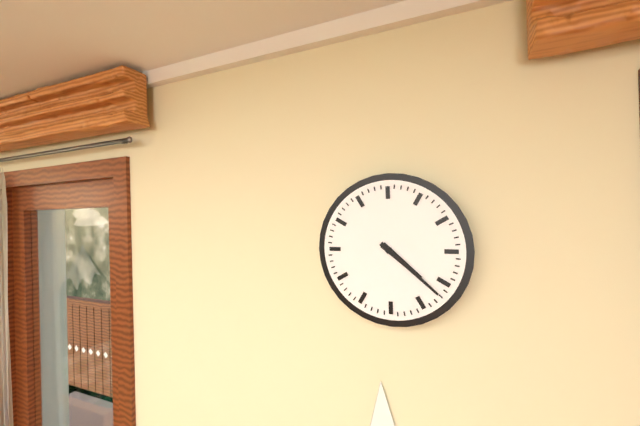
4:22
